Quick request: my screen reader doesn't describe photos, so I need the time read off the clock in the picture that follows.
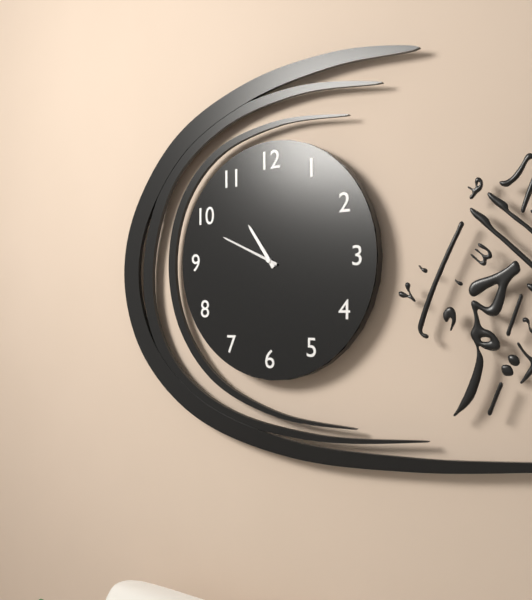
10:49
